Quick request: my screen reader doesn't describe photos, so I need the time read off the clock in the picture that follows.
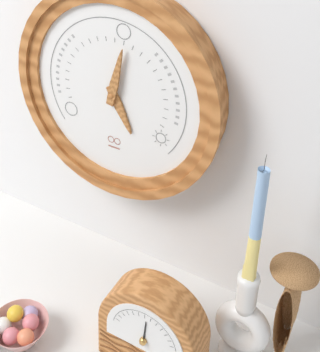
5:02
